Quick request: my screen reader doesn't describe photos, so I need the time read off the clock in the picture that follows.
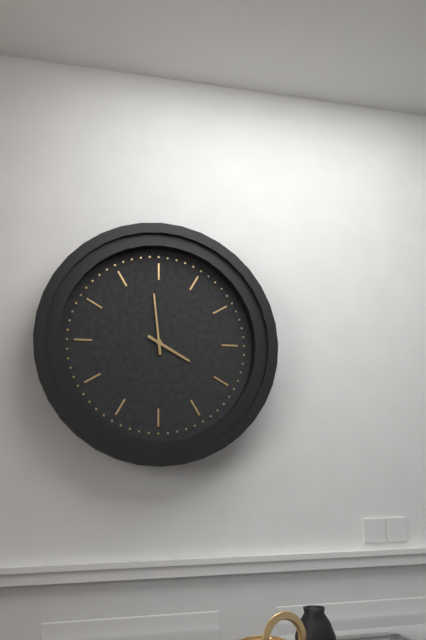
3:59
